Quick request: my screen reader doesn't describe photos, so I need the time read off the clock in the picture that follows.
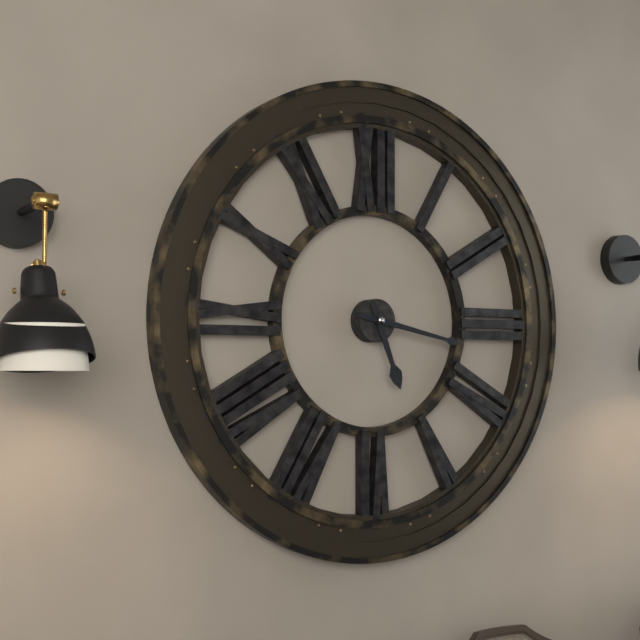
5:17
